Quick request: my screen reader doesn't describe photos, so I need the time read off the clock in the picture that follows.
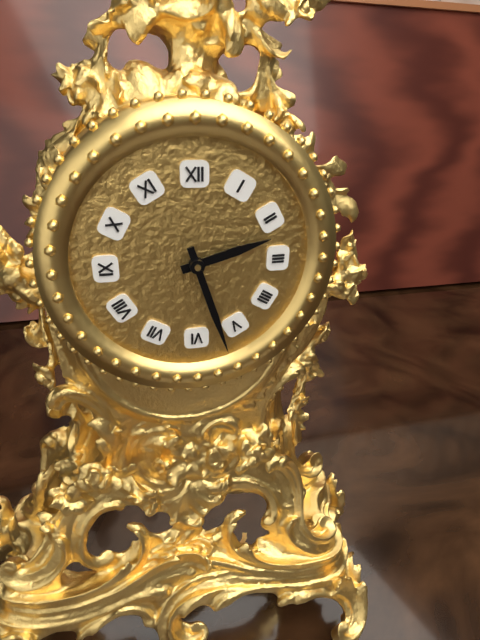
2:27
